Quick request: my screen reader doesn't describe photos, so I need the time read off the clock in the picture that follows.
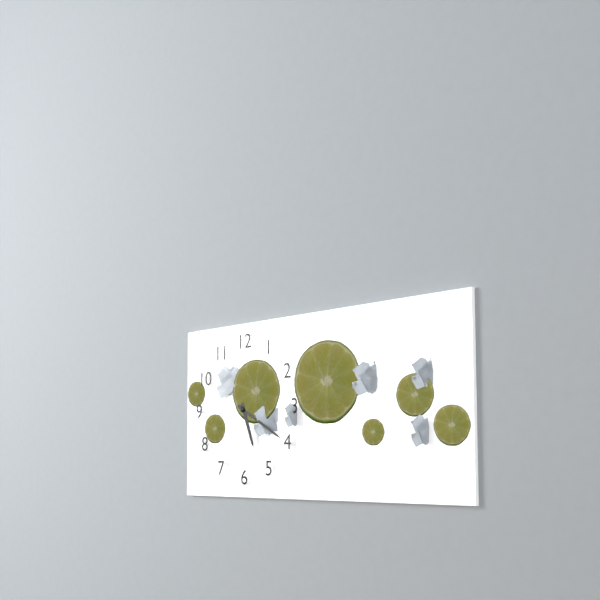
5:20
